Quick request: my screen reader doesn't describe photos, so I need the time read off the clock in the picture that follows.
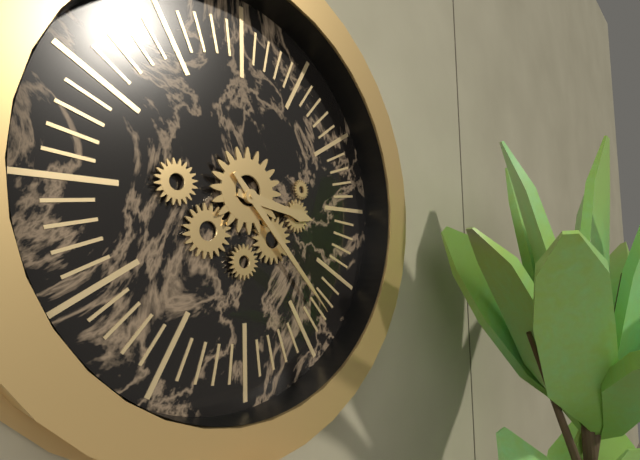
3:23
